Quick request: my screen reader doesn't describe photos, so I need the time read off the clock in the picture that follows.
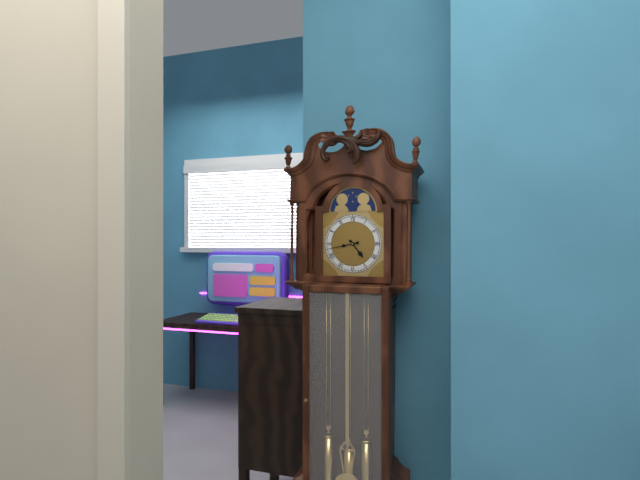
4:43
